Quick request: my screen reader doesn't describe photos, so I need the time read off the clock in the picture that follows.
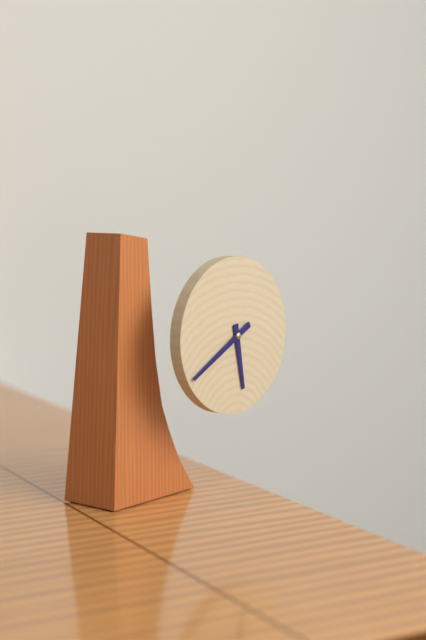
5:40
